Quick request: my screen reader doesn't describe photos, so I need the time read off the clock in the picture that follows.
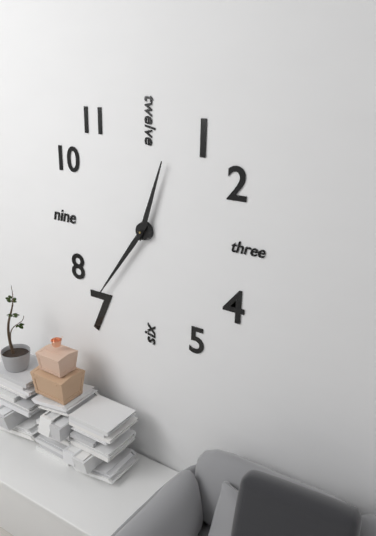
12:36
